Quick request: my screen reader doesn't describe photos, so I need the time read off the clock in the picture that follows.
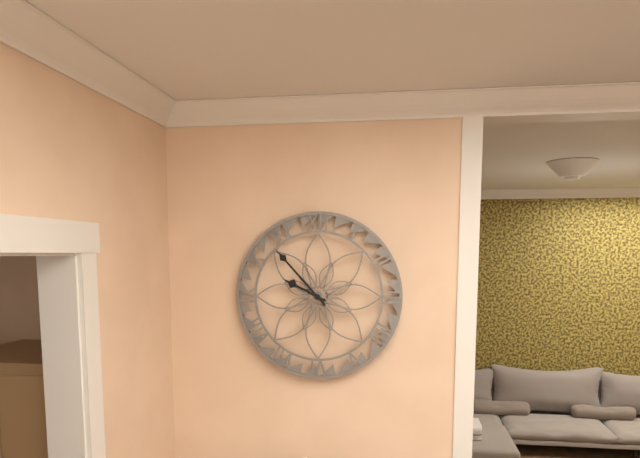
9:53
